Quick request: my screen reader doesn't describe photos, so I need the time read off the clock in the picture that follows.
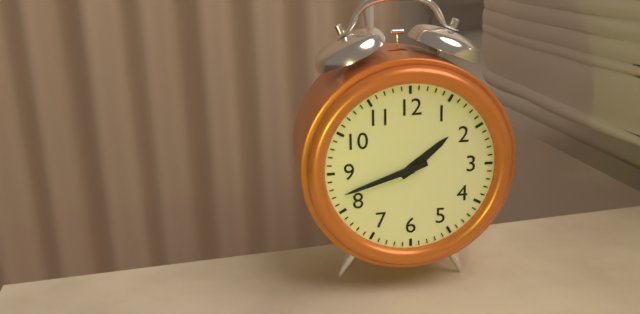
1:42
